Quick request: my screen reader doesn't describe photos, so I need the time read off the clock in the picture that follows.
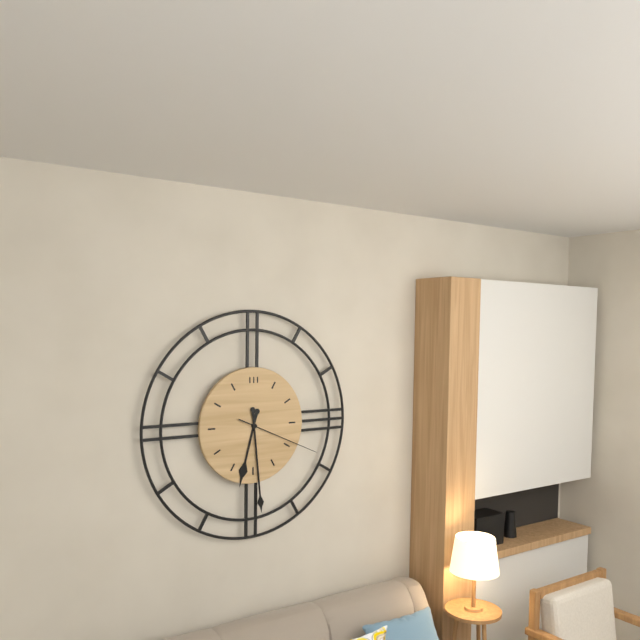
6:29:19
